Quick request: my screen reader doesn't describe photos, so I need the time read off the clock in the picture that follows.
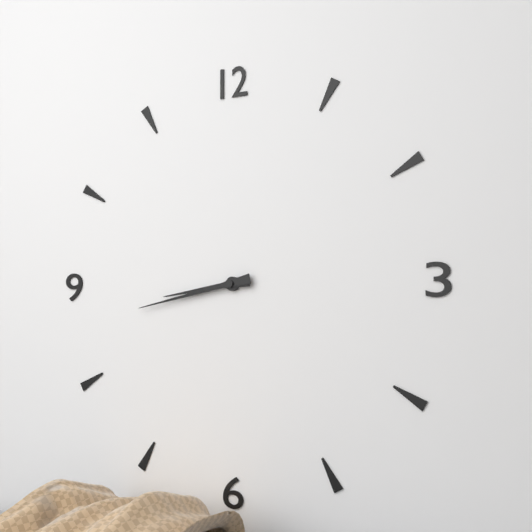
8:43
